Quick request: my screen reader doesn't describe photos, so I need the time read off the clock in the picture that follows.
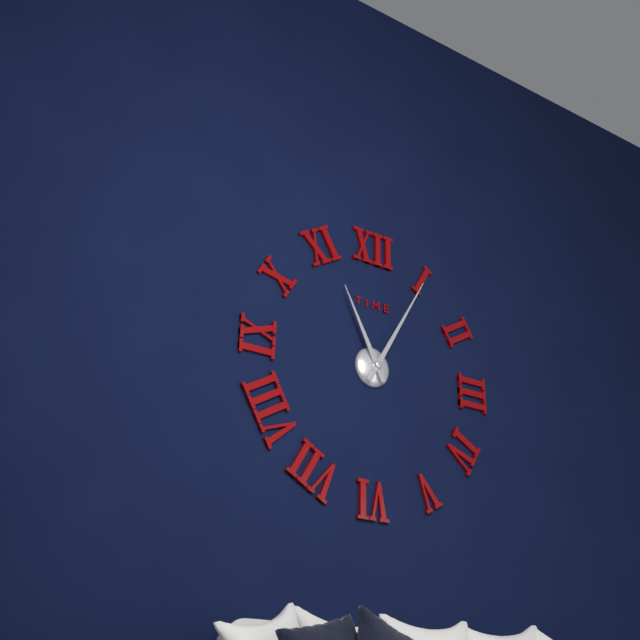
11:05
